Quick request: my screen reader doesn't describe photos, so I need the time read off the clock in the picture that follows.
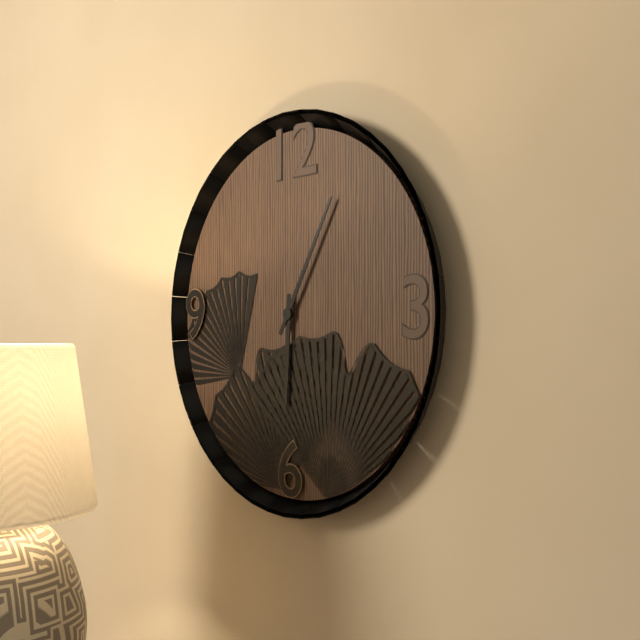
6:05
